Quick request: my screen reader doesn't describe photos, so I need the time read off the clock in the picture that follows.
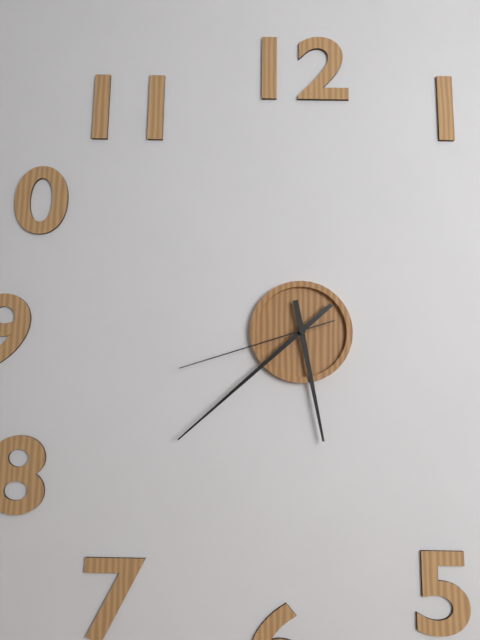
5:38:42
